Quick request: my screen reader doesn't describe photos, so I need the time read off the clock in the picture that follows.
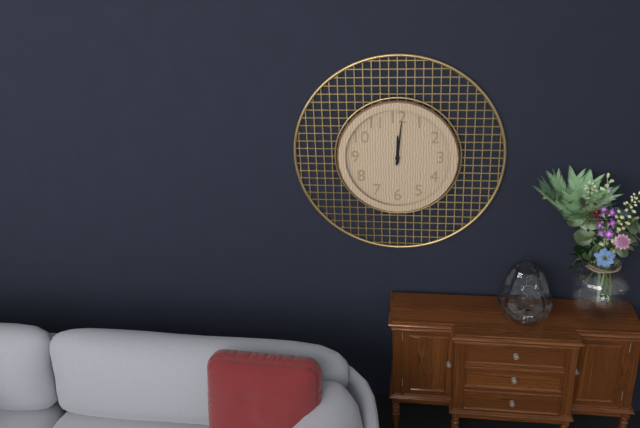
12:01
